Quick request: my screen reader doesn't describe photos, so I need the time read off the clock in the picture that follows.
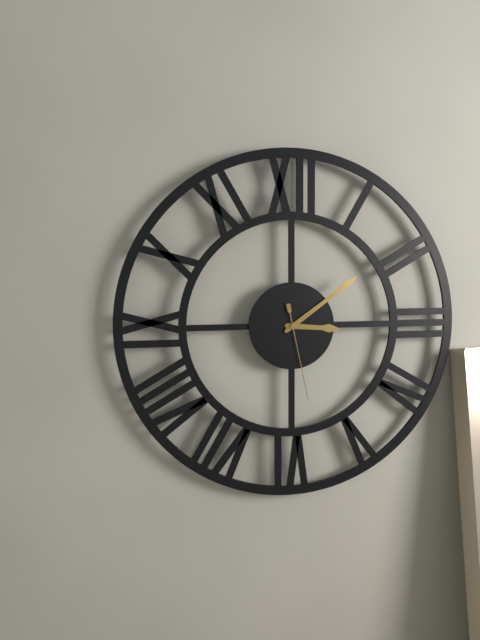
3:09:28
